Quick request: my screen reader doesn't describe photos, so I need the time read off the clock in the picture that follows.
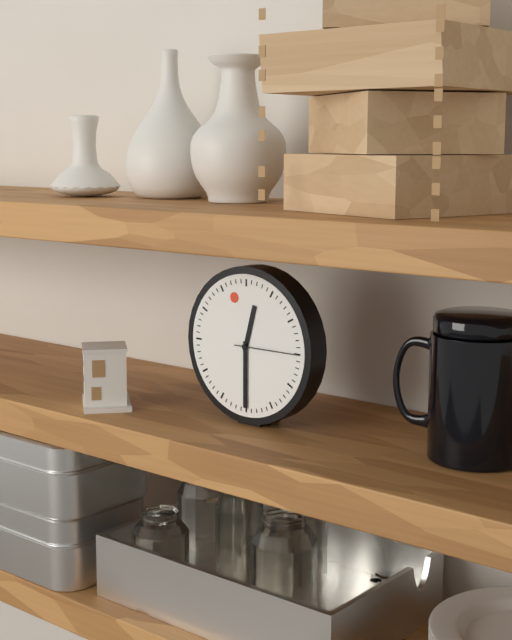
12:30:15
